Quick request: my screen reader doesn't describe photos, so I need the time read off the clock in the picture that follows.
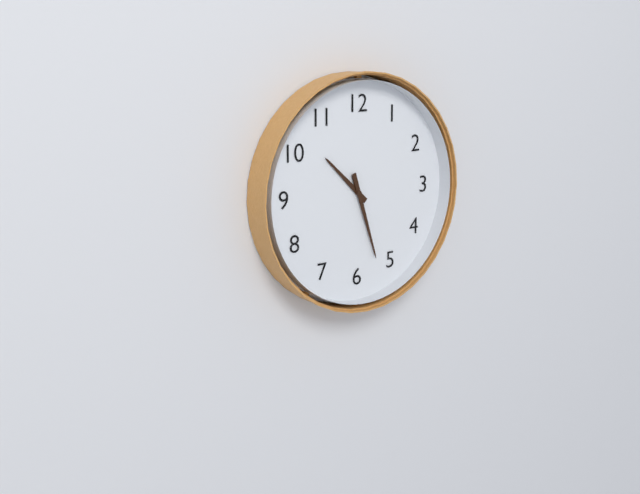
10:27
